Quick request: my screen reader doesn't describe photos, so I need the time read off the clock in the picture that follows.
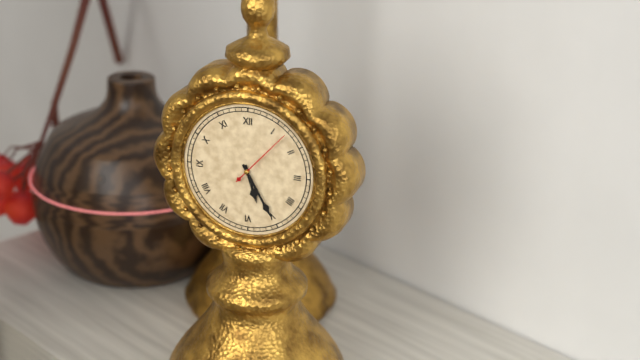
5:25:07
